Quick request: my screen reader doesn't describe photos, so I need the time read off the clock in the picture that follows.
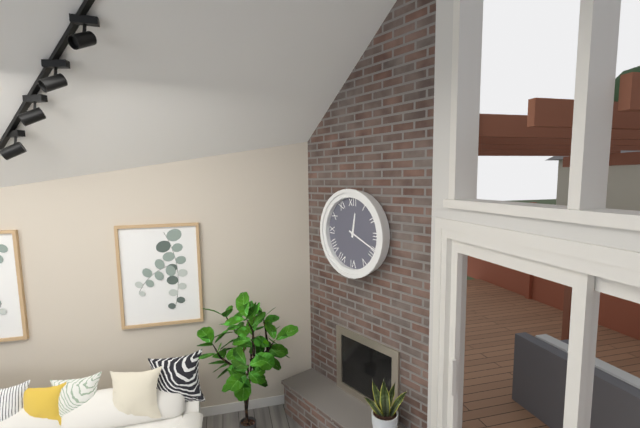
12:19
